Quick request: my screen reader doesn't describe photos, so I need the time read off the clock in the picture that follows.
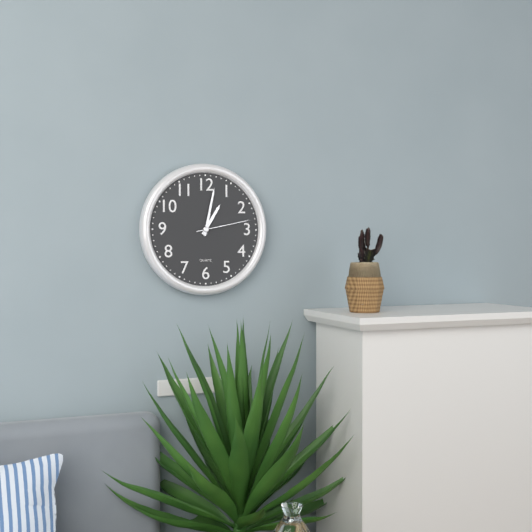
1:02:13
